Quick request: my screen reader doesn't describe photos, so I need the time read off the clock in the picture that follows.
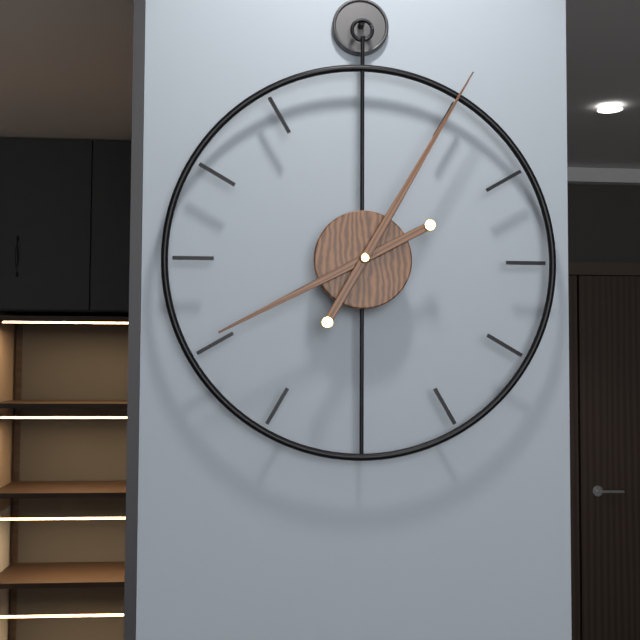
8:05
